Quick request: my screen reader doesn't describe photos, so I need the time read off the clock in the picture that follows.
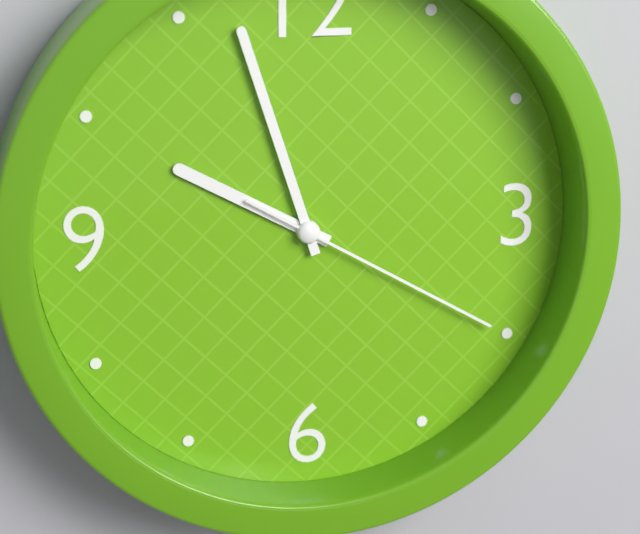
9:57:20
